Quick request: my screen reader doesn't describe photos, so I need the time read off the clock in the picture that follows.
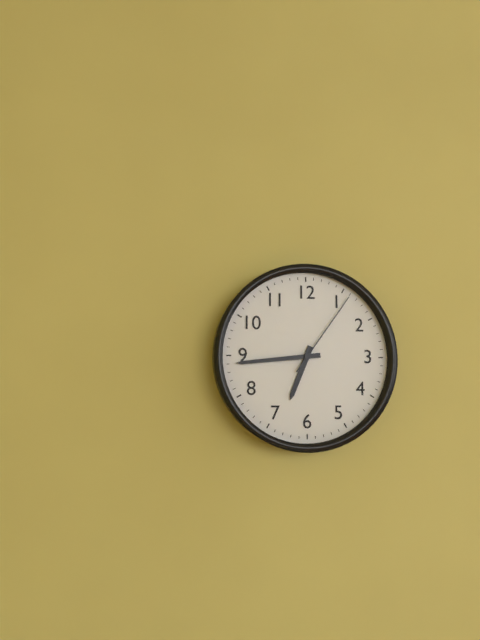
6:44:06
